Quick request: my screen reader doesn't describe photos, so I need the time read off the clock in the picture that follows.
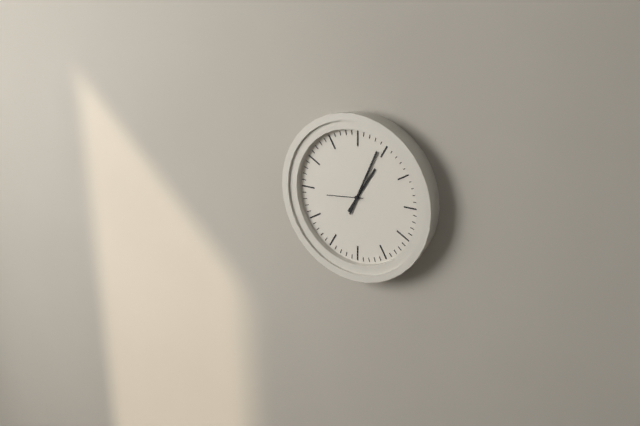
1:04
